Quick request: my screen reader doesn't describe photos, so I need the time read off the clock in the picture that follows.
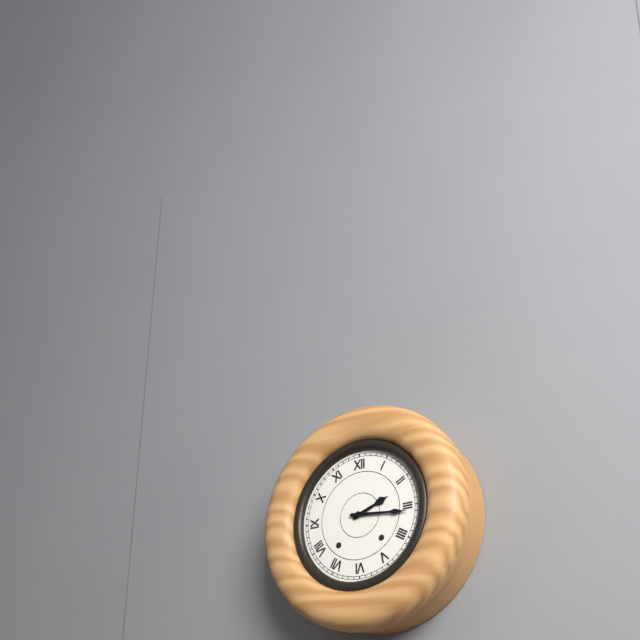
2:16
